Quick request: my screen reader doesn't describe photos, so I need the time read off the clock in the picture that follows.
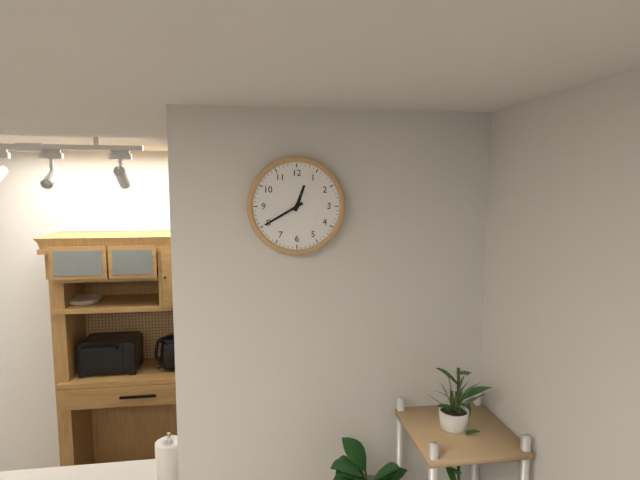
12:40
